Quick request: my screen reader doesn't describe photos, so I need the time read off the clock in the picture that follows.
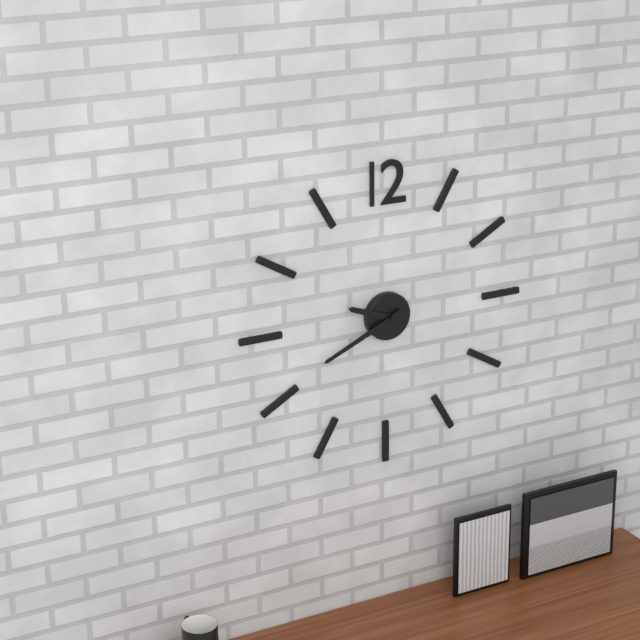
9:41
